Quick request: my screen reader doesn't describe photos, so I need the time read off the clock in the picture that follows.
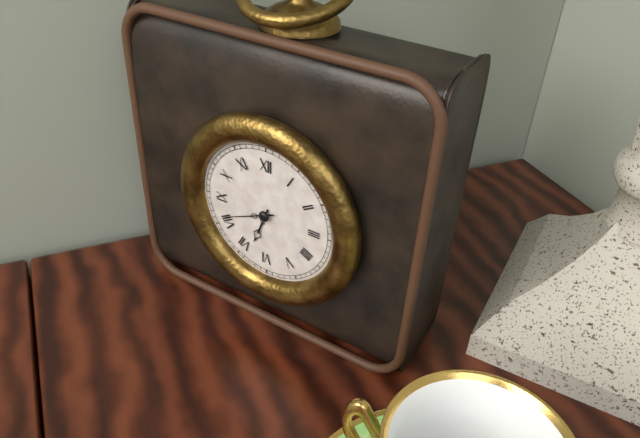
6:41
